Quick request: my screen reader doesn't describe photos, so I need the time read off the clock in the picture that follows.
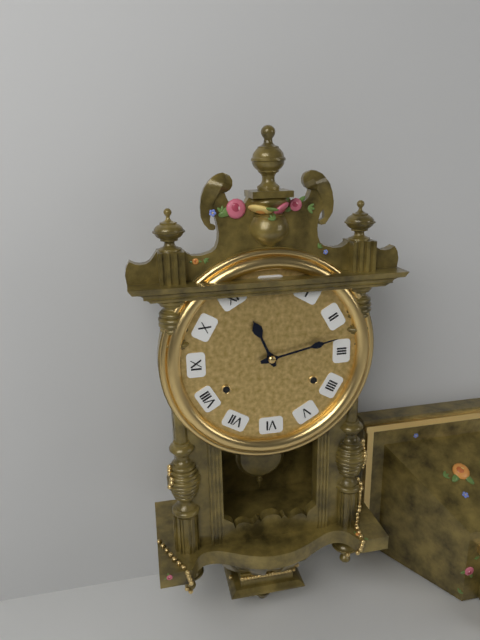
11:13
